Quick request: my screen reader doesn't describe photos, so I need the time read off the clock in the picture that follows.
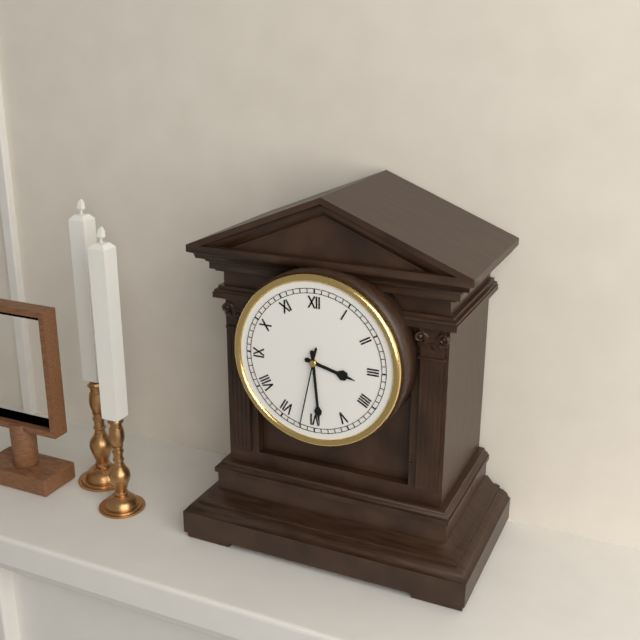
3:29:32
